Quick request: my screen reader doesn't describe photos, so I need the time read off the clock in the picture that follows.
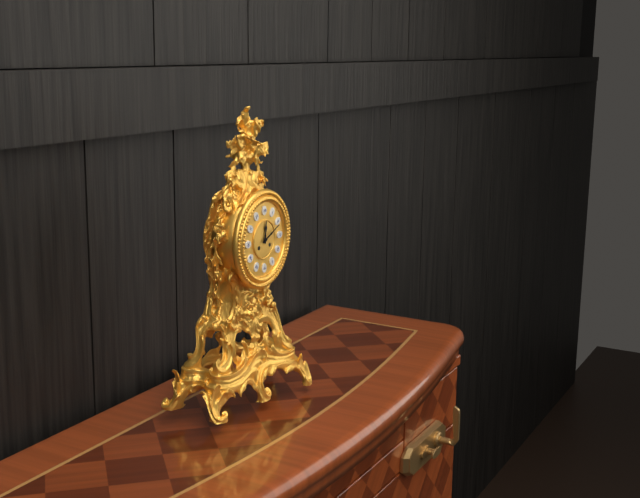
12:11
